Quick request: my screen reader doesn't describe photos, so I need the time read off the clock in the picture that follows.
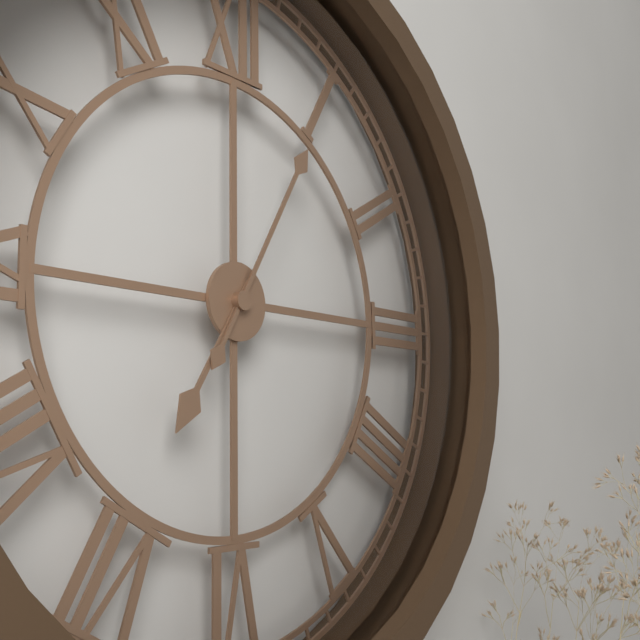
7:05
